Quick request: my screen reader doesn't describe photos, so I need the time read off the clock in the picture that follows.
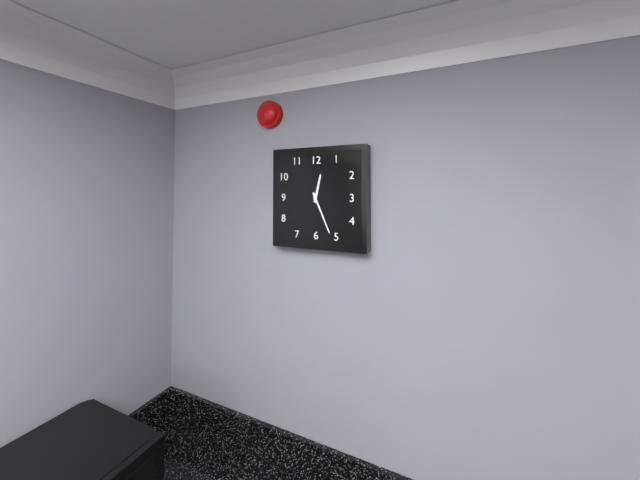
12:26
